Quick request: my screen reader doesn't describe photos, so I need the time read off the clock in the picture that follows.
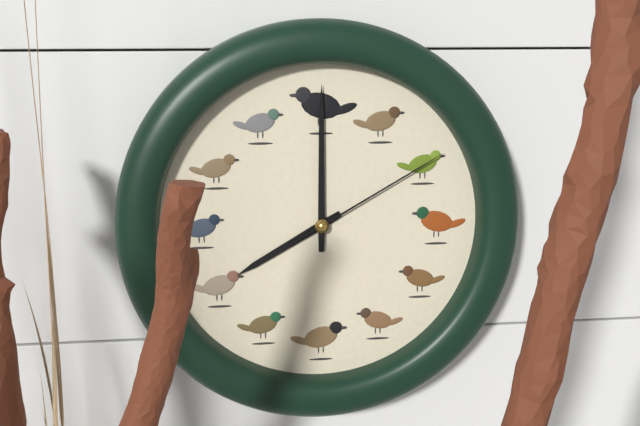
8:00:10
